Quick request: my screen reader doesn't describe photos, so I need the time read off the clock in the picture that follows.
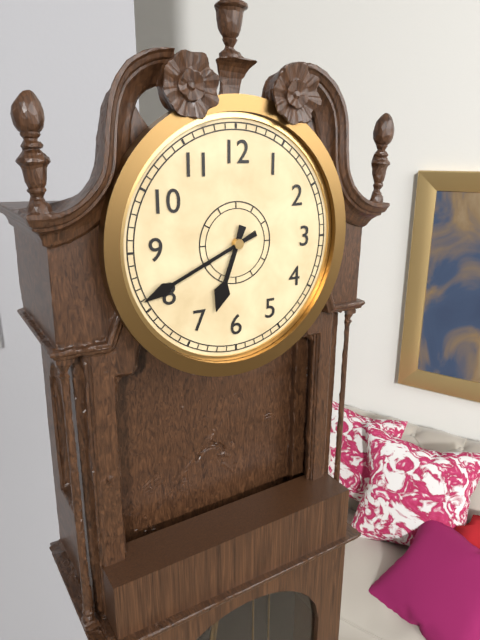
6:41
